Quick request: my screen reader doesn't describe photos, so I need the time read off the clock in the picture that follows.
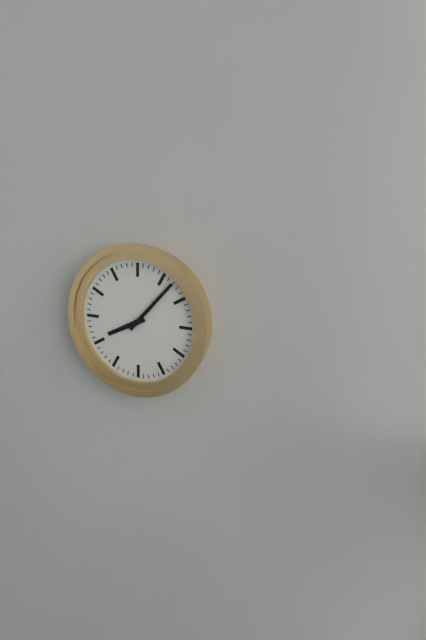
8:07
